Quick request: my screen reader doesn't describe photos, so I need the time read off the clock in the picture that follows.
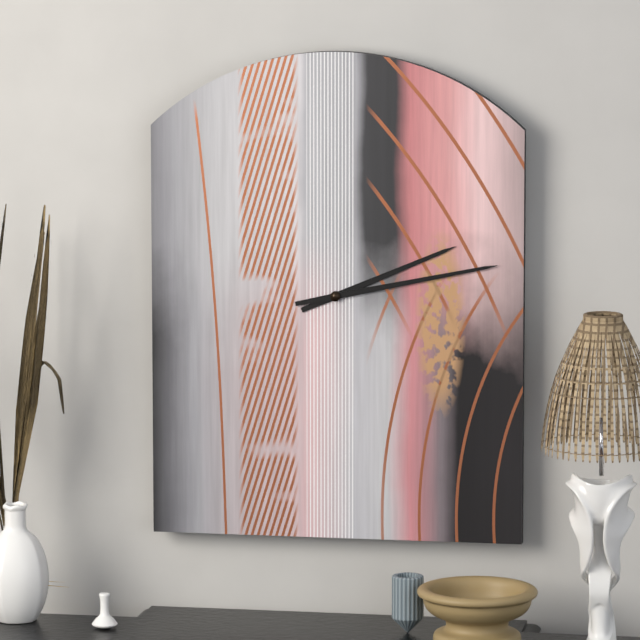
2:13
